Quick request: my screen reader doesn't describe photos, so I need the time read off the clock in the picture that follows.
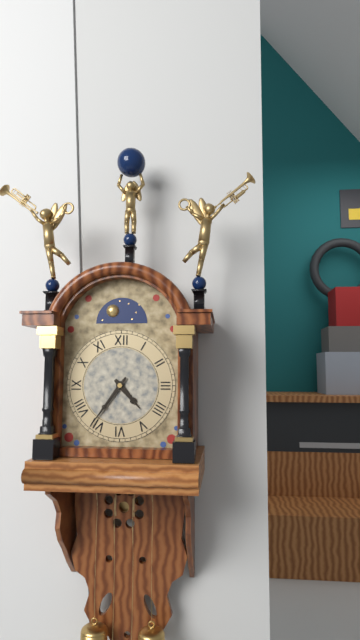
4:36
